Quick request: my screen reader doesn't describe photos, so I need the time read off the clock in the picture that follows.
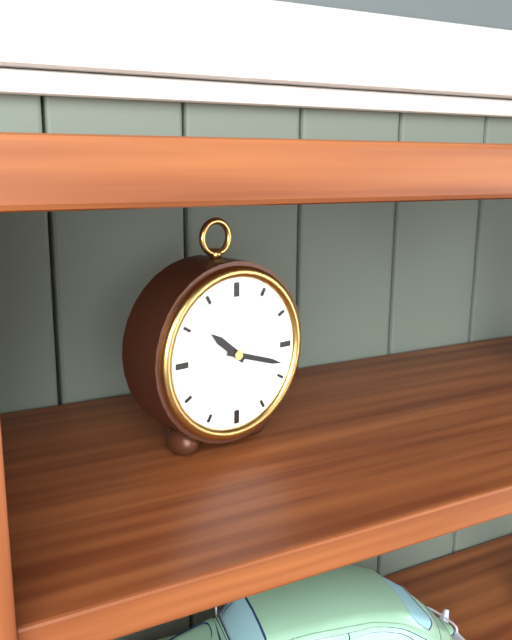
10:18
